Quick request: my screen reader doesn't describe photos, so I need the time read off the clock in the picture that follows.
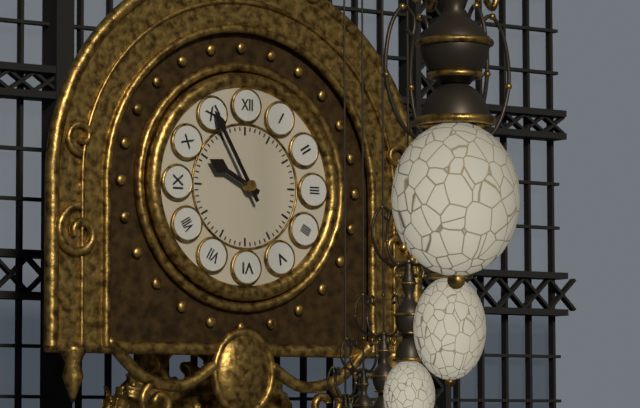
9:55
